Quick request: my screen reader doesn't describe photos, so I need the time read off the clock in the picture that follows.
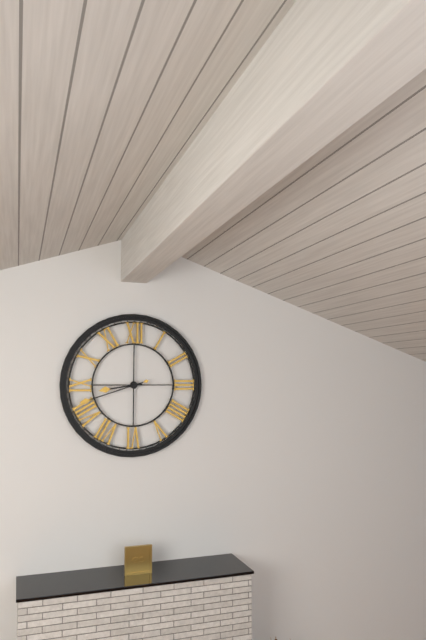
8:42
